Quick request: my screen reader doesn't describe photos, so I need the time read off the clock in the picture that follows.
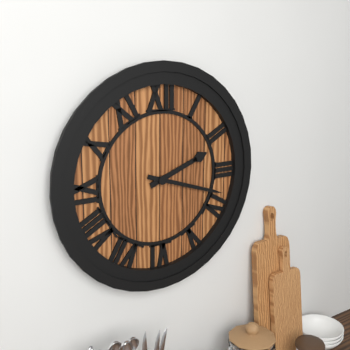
2:18
